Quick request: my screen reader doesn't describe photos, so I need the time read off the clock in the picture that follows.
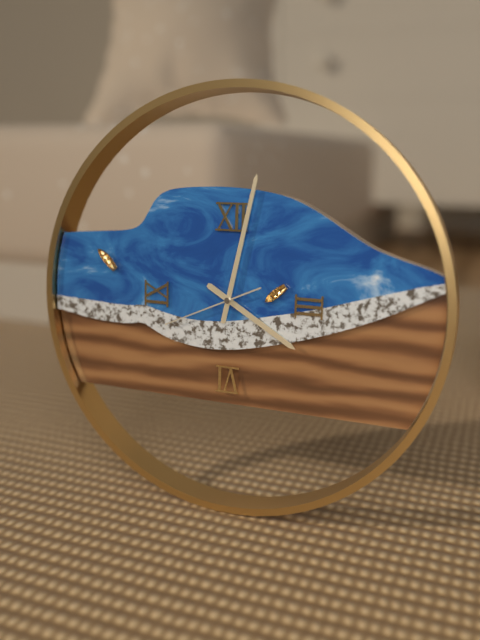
4:02:41
